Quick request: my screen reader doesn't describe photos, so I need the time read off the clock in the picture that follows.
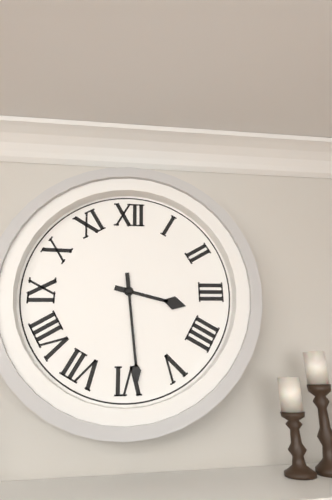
3:29
